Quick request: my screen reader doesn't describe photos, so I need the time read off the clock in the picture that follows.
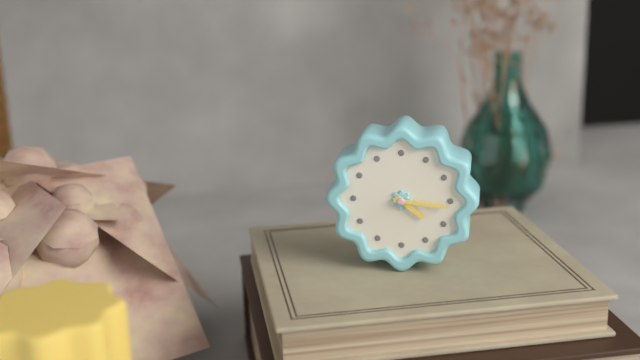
4:16
